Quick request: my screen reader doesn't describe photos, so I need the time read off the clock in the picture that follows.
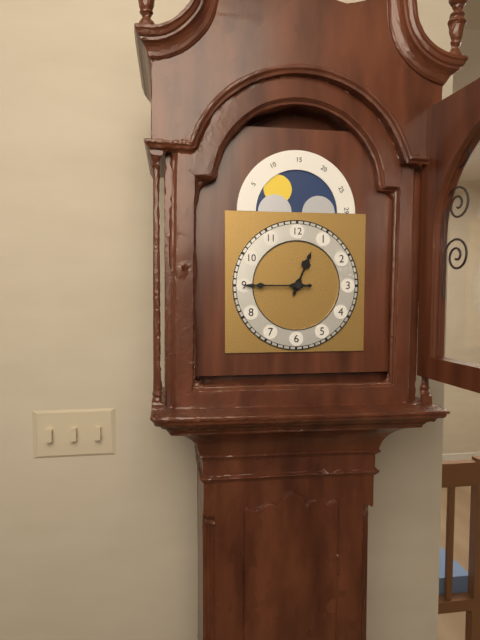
12:45
